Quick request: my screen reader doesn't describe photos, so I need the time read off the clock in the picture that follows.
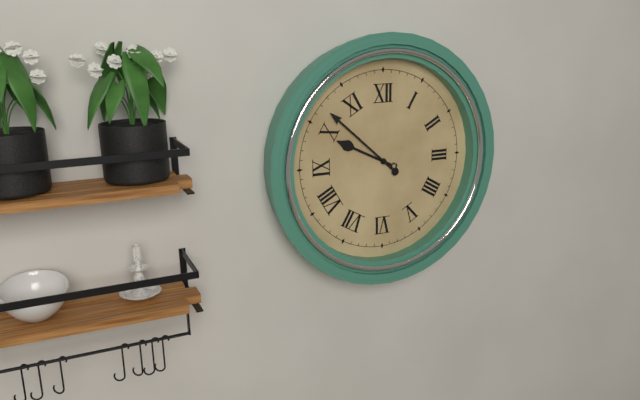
9:52
